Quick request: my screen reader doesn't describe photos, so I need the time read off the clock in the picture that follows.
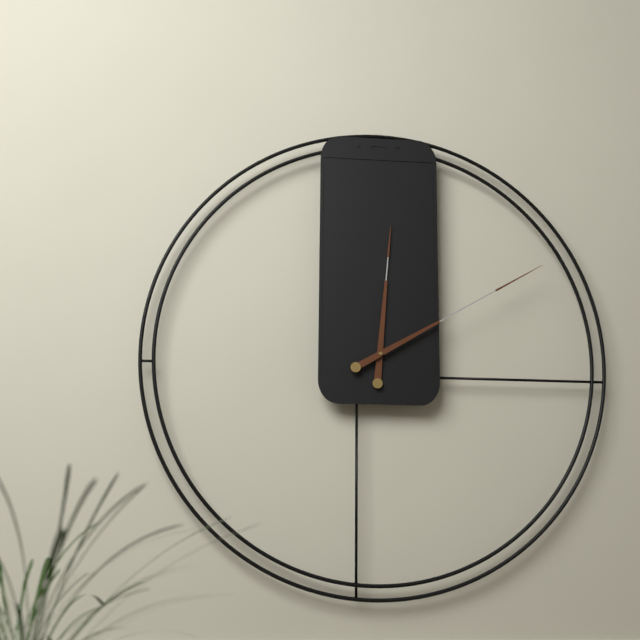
12:10
